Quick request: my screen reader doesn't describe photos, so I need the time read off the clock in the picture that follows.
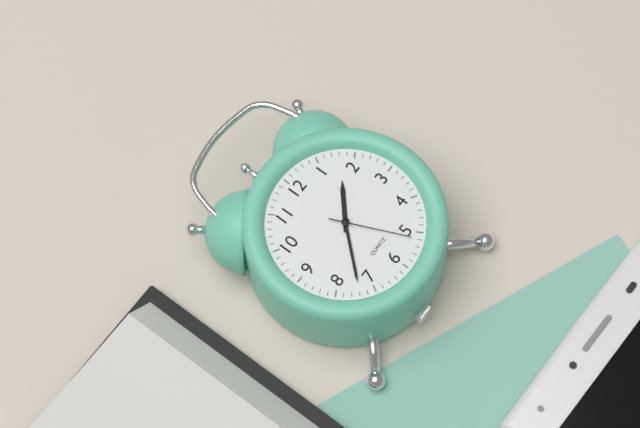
1:37:26
